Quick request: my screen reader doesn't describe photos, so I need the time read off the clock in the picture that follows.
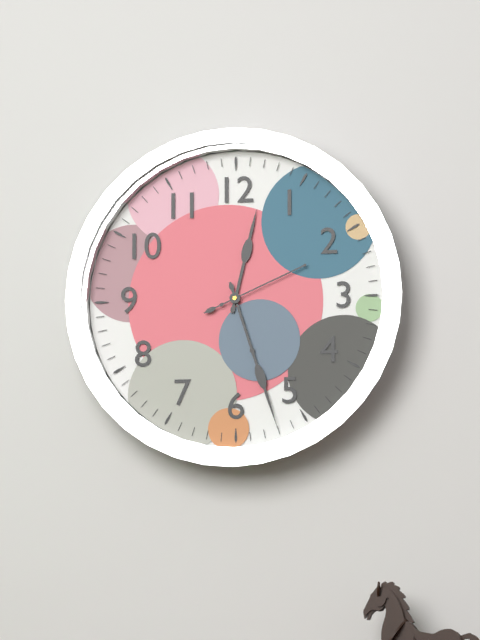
12:27:11
